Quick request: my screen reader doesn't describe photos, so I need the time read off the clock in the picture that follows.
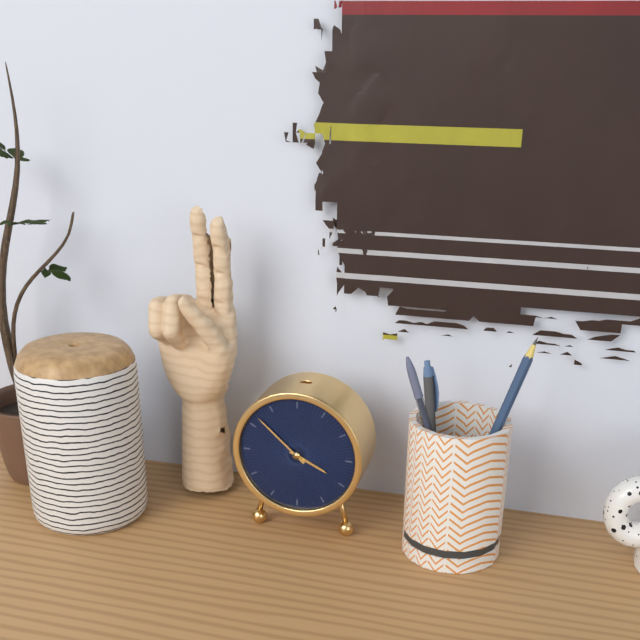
3:52
